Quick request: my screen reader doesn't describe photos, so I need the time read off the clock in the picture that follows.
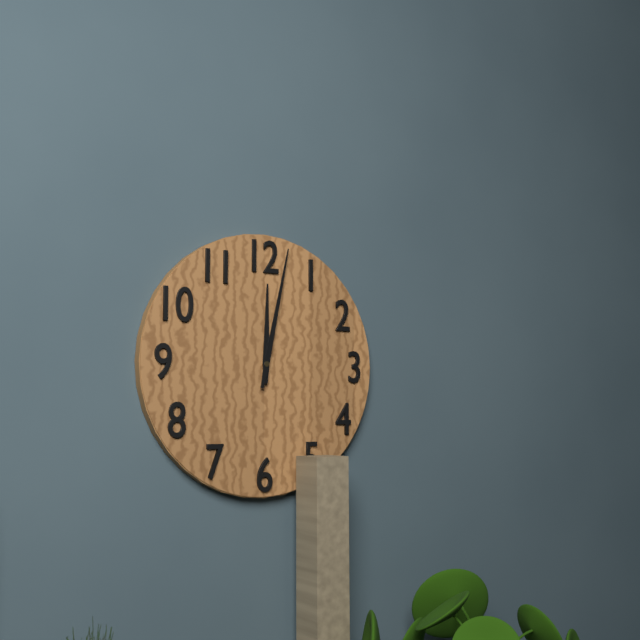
12:02
